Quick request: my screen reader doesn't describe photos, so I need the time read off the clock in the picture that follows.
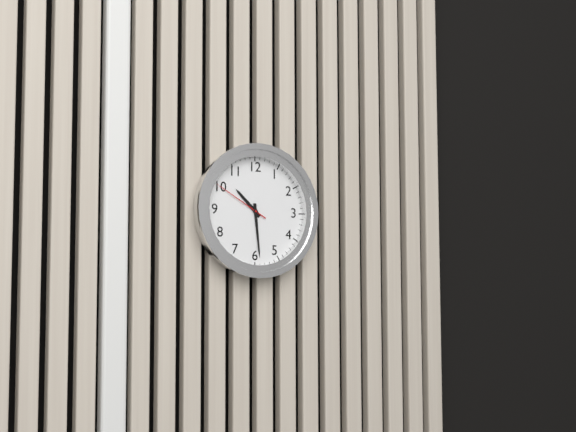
10:29:50
